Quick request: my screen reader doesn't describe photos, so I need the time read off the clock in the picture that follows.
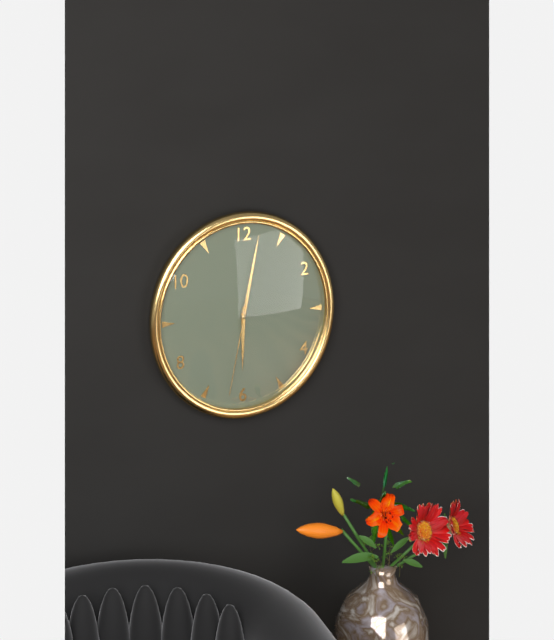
6:02:32
